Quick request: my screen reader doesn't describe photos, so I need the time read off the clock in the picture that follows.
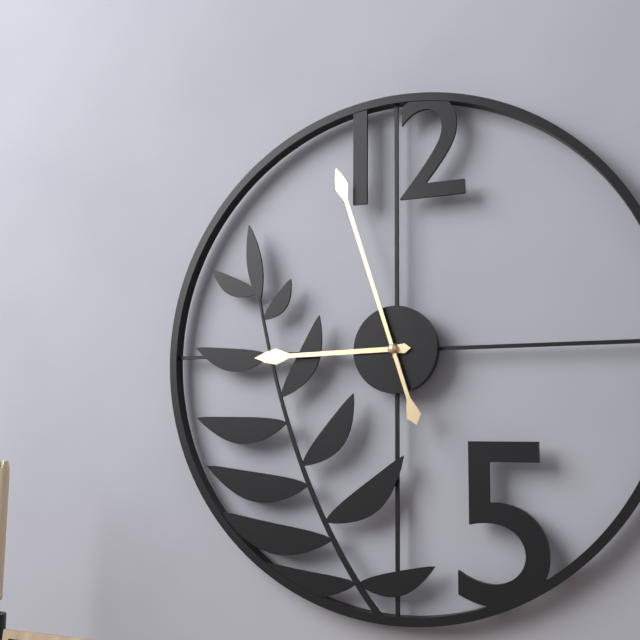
8:57
